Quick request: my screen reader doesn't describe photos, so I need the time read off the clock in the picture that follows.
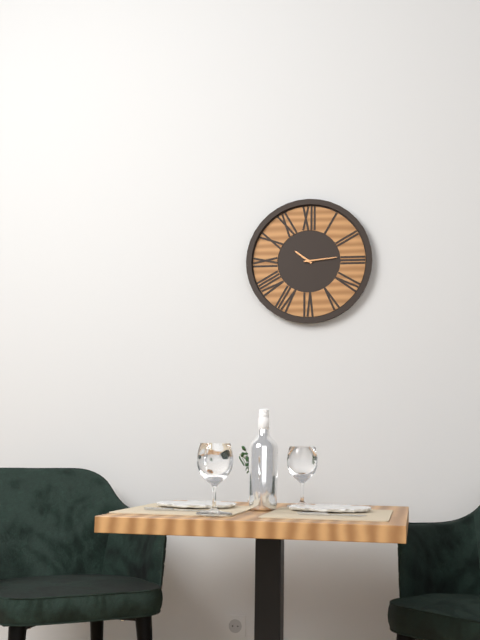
10:14
